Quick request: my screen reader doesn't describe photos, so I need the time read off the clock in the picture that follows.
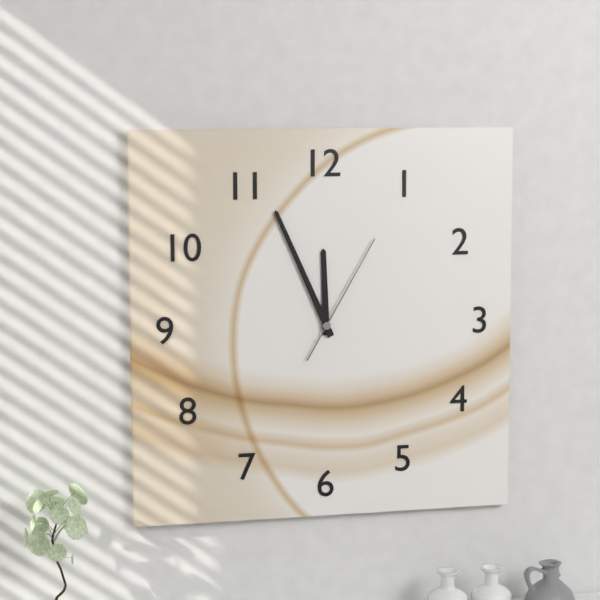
11:56:05
